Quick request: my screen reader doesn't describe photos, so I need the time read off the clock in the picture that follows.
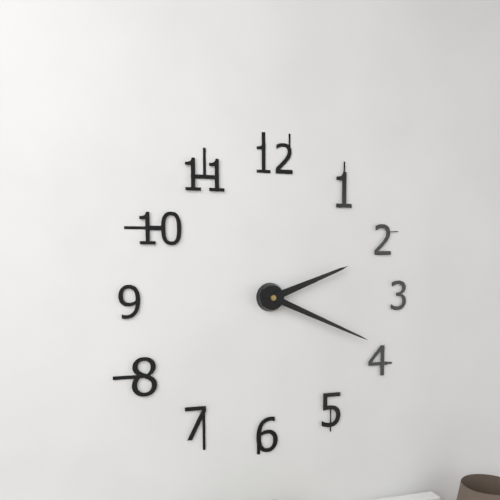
2:19
